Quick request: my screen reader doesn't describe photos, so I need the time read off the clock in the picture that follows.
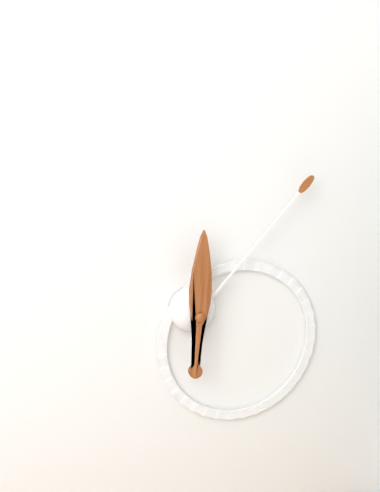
12:07
